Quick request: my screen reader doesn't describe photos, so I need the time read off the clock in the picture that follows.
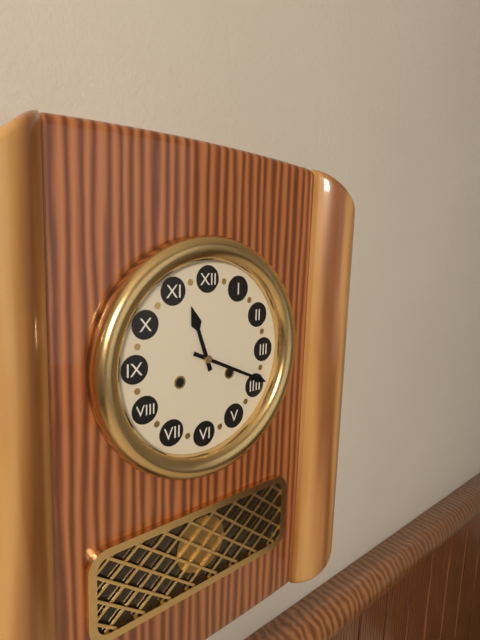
11:19
